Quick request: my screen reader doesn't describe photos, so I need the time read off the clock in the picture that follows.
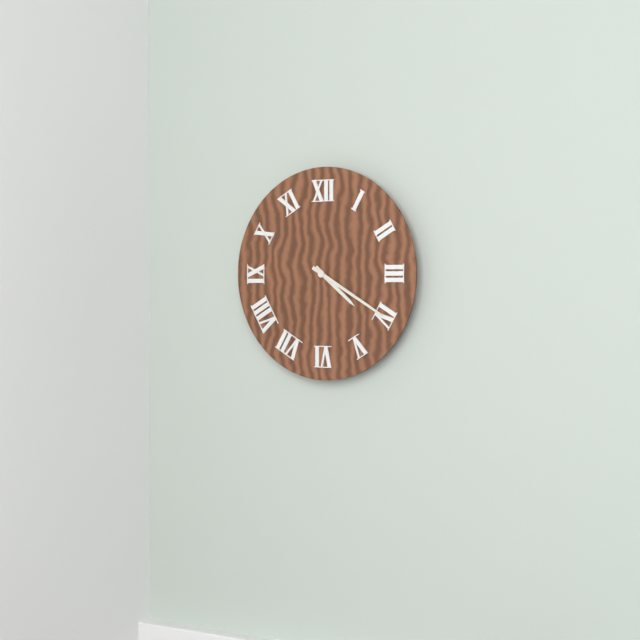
4:20
